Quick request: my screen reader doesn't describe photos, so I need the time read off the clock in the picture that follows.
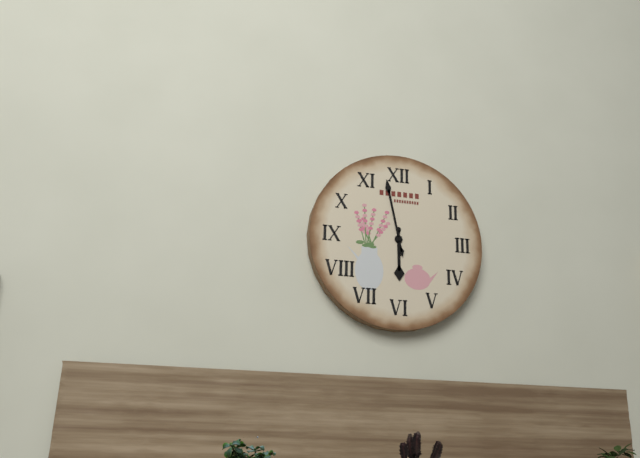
5:58
